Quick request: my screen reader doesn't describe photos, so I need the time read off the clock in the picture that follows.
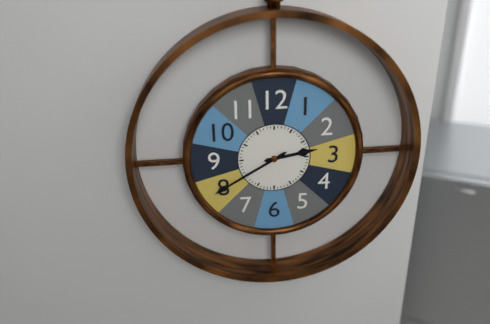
2:40
